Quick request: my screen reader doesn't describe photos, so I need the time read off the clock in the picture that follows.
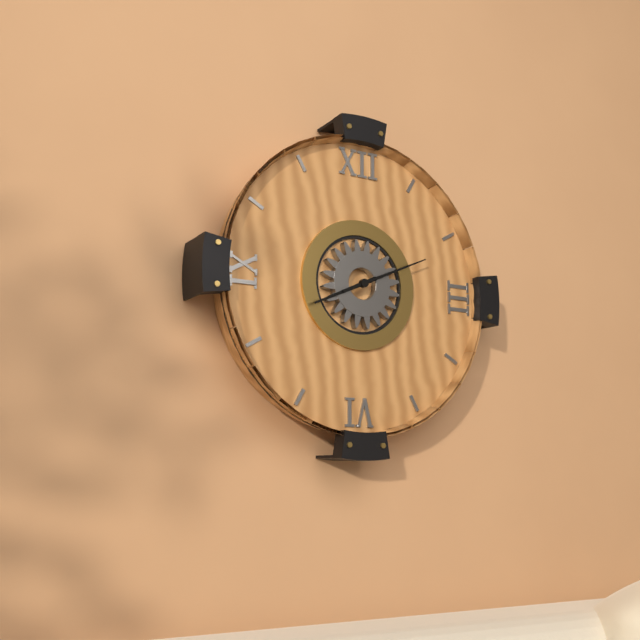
8:11
